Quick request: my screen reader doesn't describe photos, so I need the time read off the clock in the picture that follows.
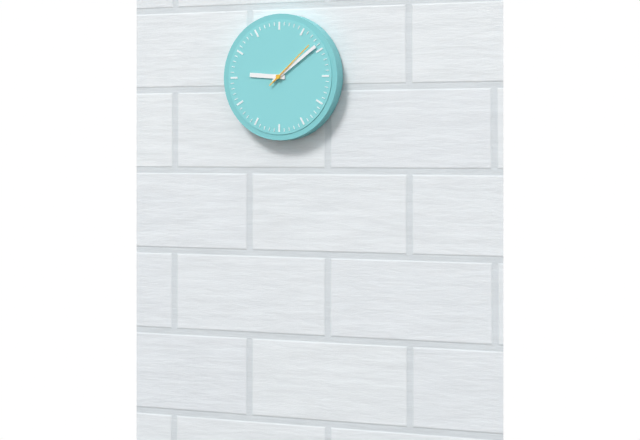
9:09
